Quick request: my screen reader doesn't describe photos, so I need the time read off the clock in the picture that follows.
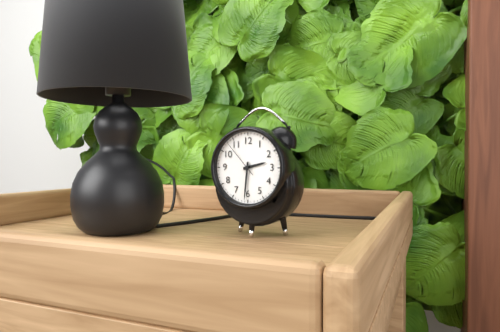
2:31
